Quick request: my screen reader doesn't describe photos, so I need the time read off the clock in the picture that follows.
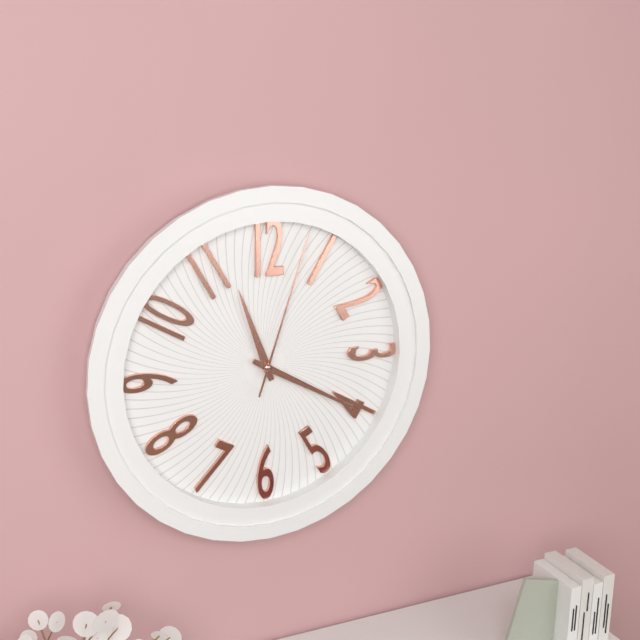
11:20:03
